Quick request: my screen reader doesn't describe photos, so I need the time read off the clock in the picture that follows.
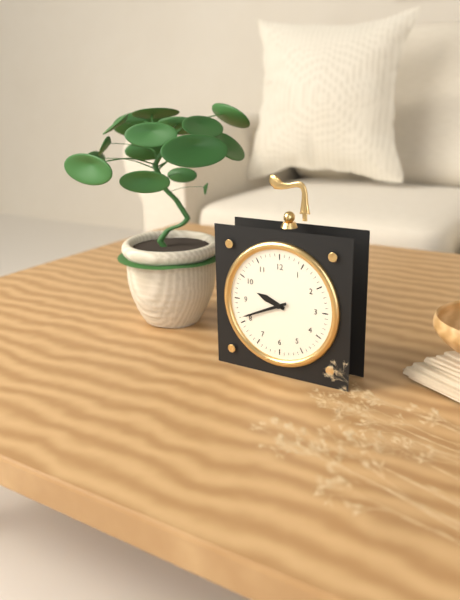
9:41
